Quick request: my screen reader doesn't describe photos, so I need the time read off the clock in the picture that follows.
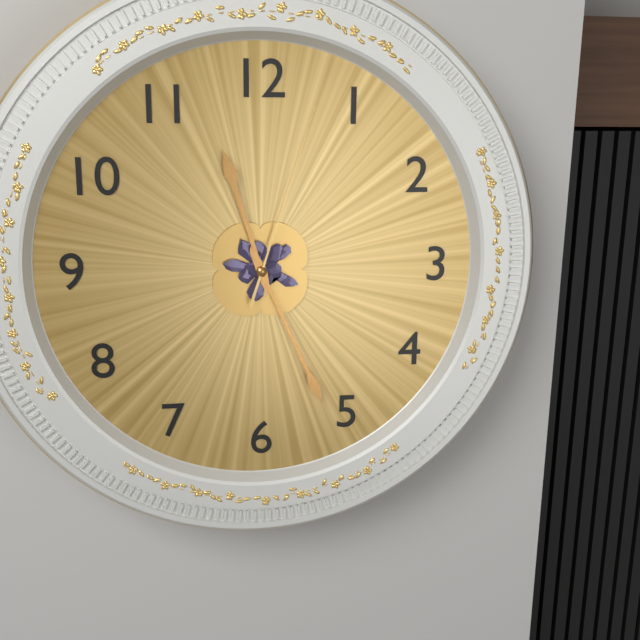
11:26:03
